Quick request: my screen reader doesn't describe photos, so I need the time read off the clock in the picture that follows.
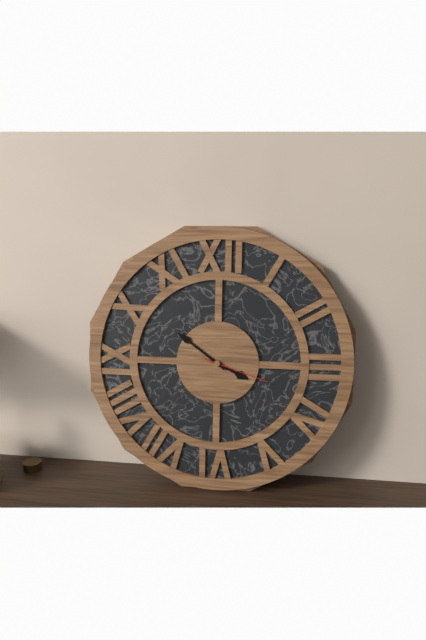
3:51:18
